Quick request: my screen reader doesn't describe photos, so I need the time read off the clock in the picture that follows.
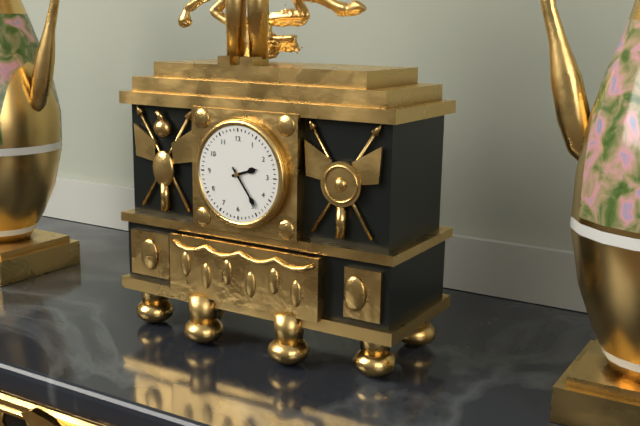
2:24
